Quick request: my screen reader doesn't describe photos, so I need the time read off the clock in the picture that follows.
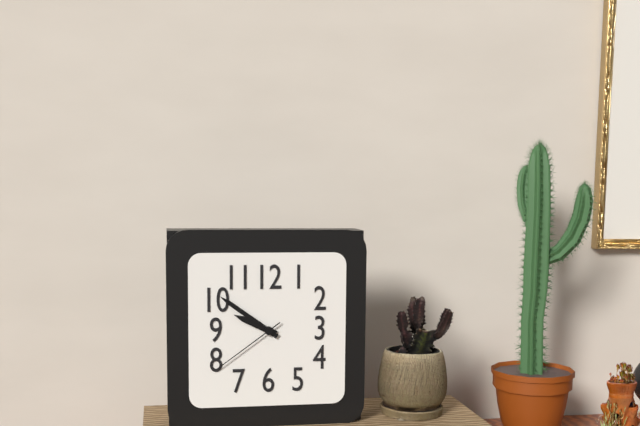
9:51:39
